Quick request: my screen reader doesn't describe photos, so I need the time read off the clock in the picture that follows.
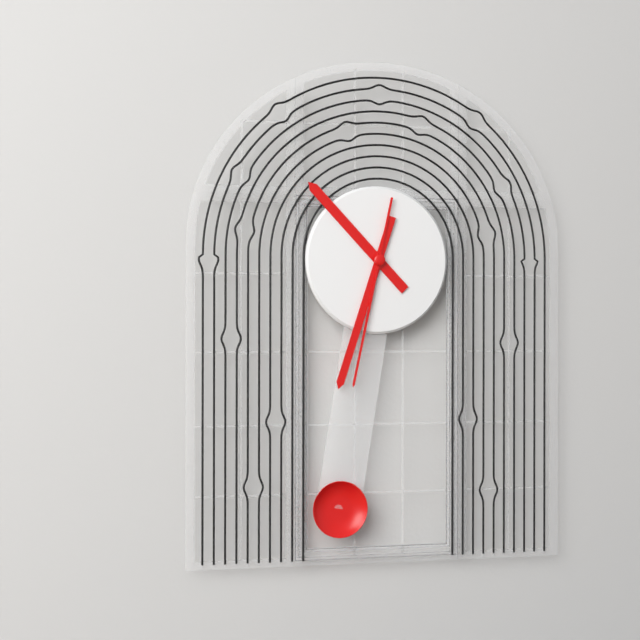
10:33:32
